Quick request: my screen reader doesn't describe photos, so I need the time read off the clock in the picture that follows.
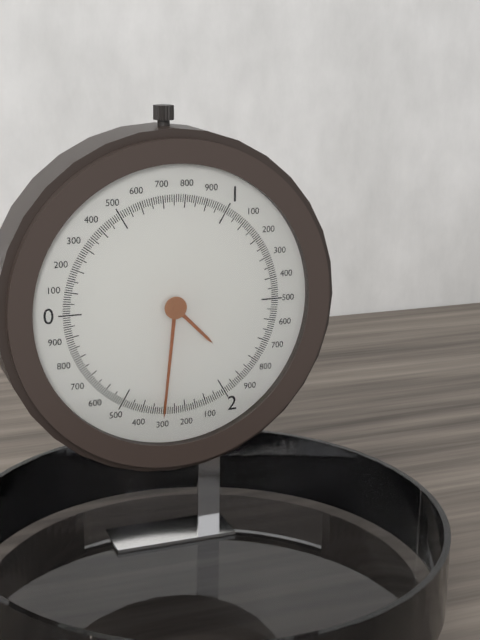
4:31
